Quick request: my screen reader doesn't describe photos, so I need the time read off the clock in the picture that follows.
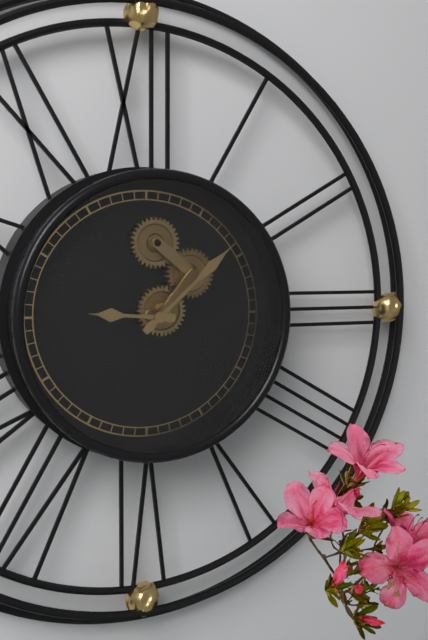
9:08
